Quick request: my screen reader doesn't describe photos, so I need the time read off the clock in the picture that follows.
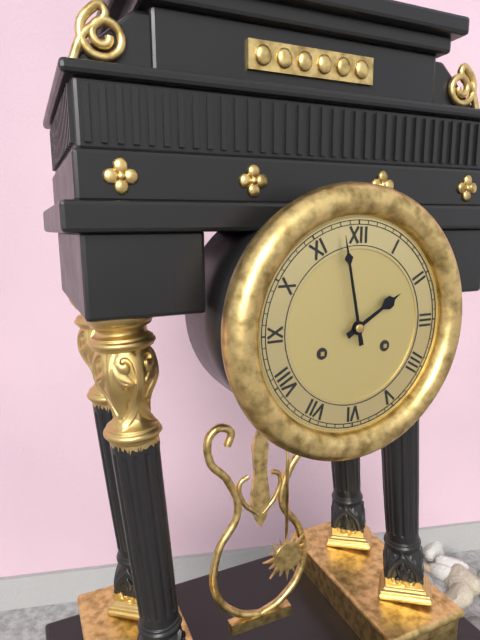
1:58
